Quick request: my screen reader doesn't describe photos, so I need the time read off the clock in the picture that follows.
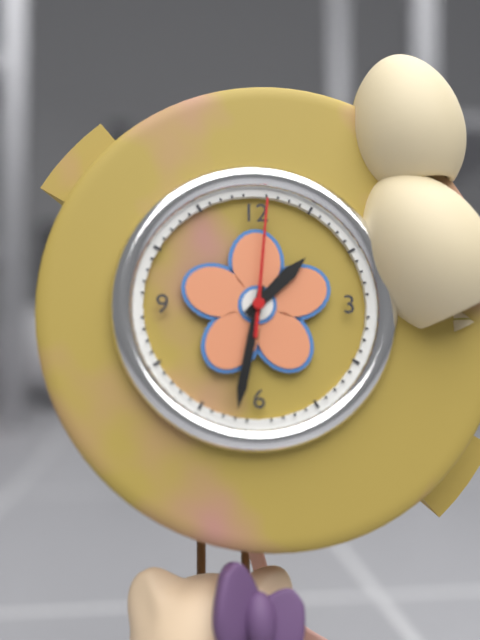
1:32:01
